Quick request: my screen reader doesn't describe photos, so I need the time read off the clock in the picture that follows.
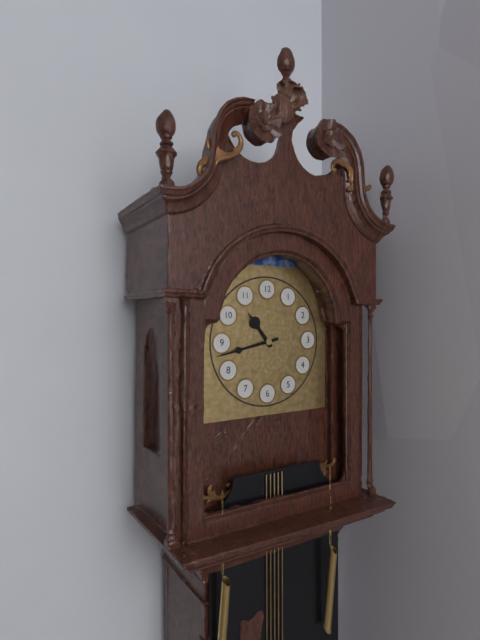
10:43
